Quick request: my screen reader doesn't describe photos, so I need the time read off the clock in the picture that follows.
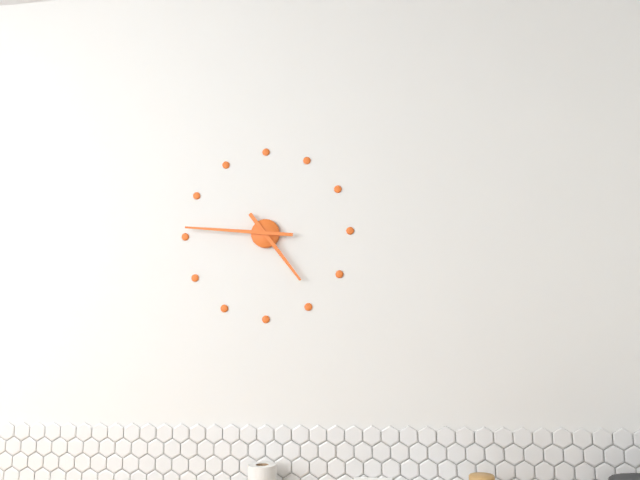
4:46
